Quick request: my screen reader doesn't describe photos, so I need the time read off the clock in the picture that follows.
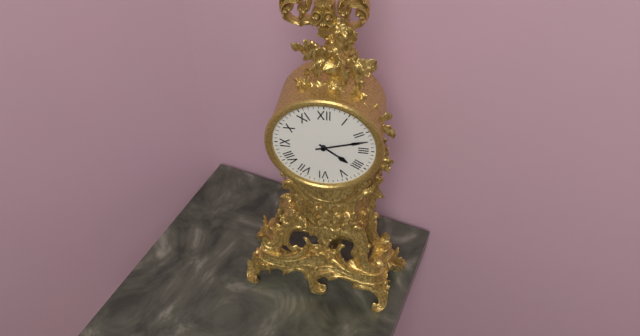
4:12
